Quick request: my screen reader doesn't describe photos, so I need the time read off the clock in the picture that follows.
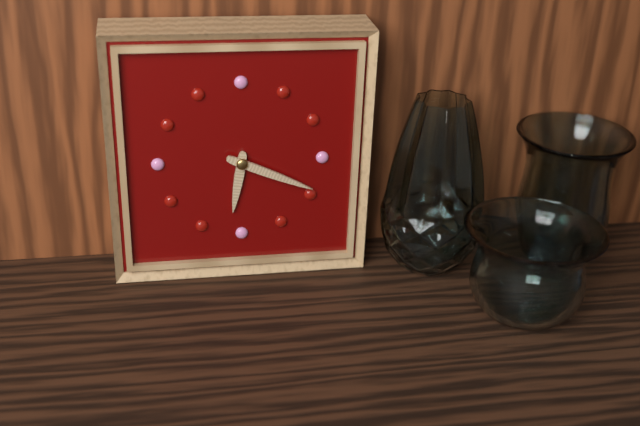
6:19
